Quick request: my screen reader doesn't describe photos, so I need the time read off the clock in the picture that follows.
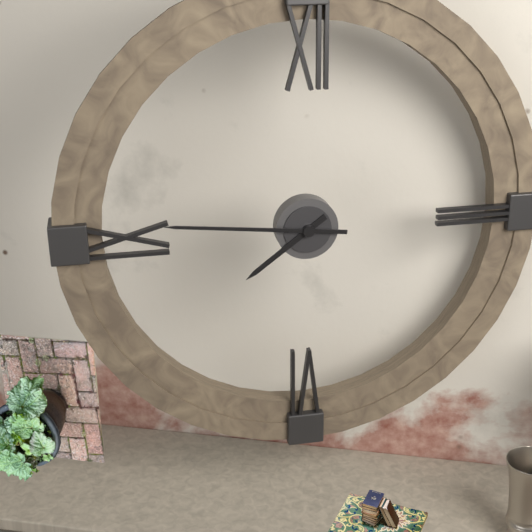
7:46
